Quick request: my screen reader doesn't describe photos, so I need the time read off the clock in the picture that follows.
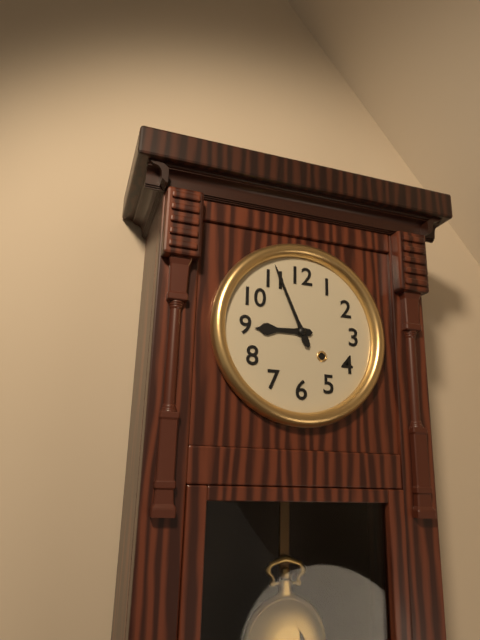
8:56
